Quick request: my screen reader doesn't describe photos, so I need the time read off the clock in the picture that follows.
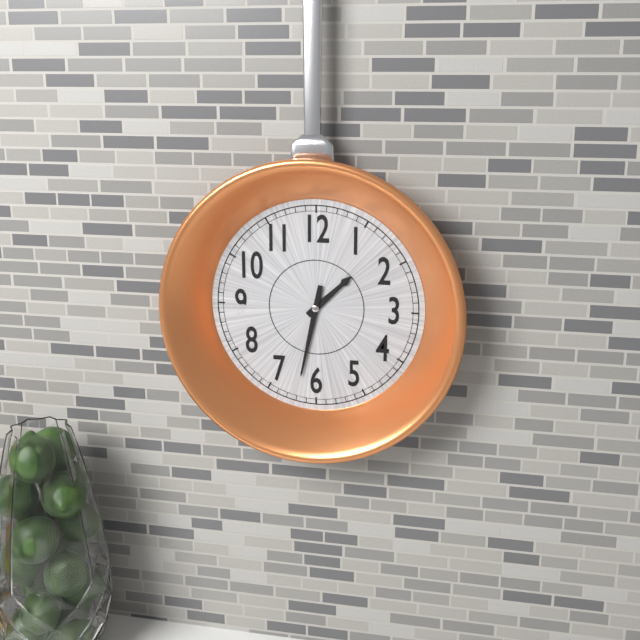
1:32
